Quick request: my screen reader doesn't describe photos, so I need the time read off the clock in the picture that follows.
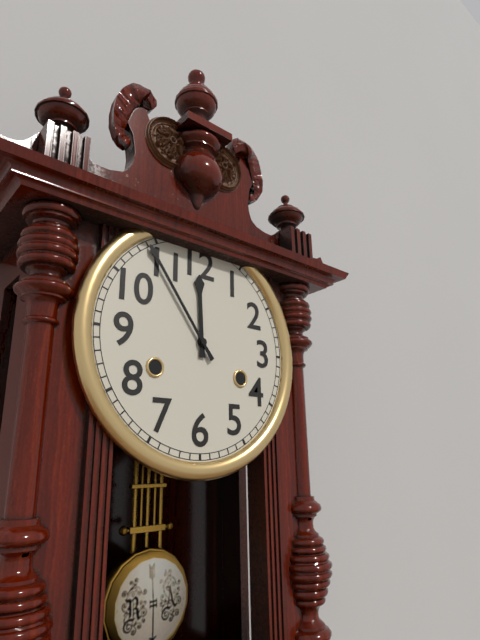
11:54
